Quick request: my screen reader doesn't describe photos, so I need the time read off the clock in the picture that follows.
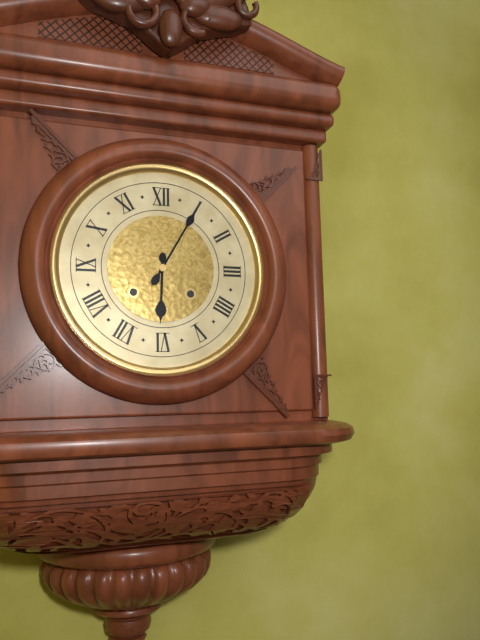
6:05
